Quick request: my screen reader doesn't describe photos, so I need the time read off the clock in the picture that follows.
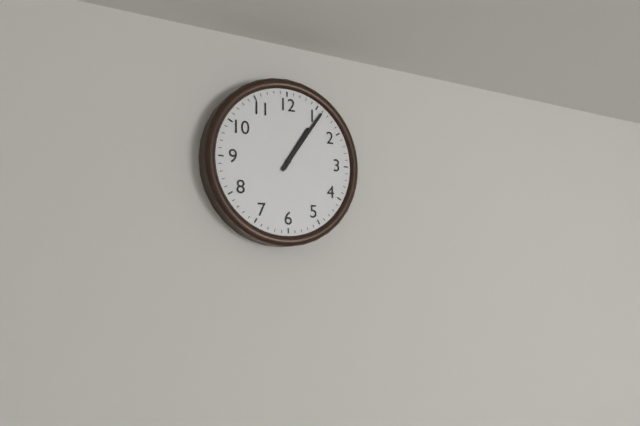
1:06
